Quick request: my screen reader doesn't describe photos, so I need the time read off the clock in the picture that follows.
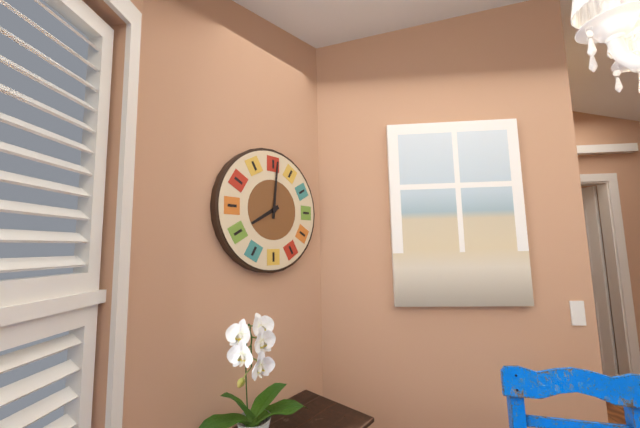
8:01
